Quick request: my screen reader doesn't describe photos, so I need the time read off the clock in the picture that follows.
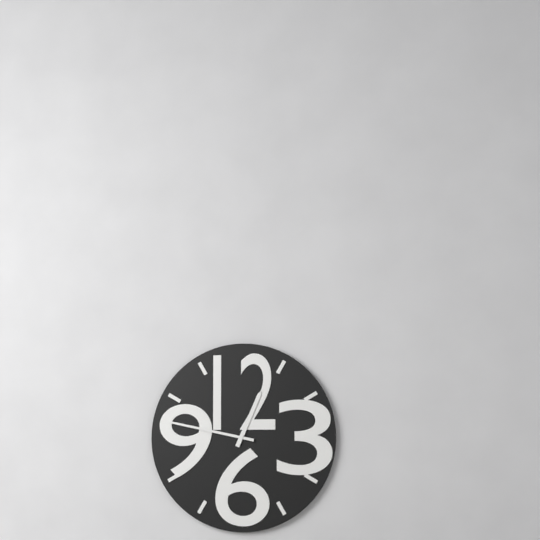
12:47
